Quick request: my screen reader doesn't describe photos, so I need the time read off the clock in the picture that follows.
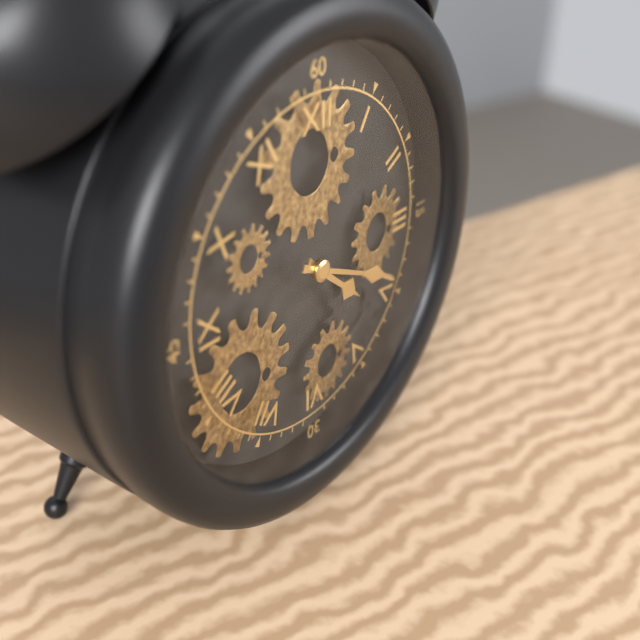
4:19
